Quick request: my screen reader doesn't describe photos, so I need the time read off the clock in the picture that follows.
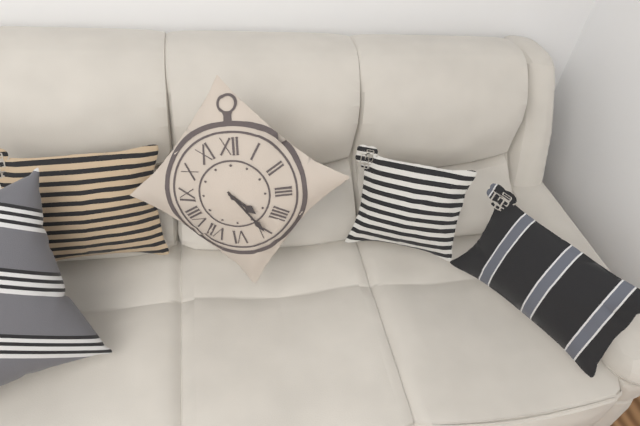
4:24
